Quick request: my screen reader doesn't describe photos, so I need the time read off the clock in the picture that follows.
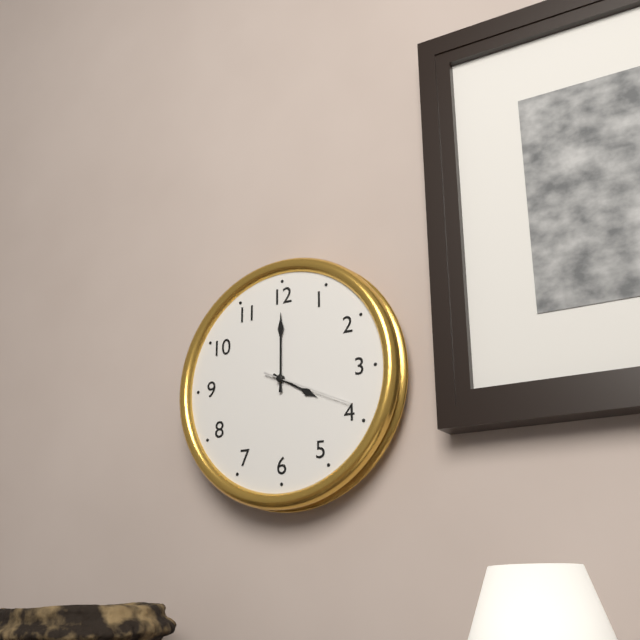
4:00:19
